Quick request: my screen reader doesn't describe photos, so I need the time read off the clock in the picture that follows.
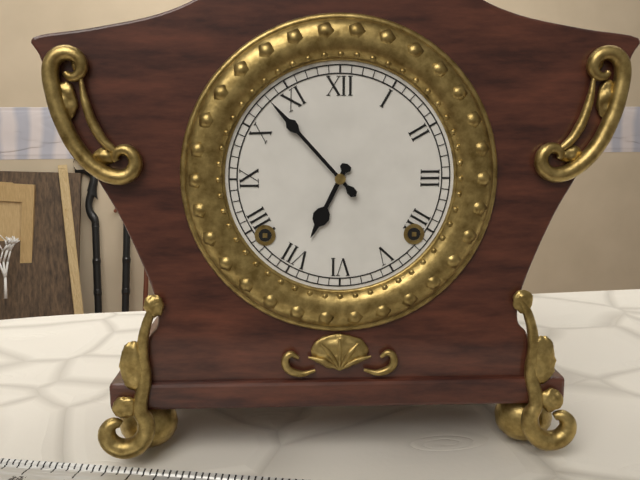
6:53
